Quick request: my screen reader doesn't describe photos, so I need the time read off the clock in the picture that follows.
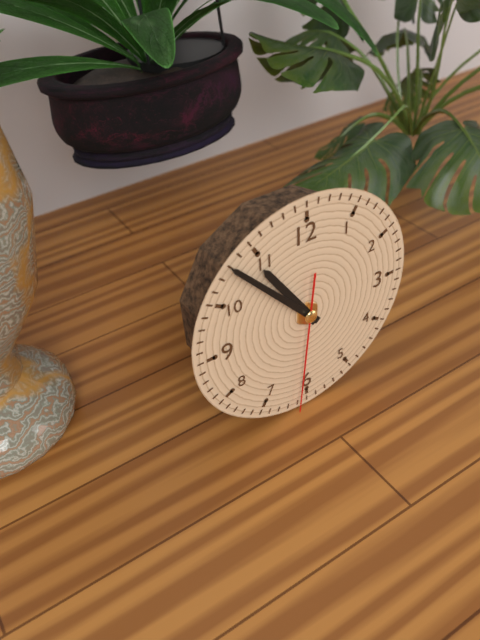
10:53:31
